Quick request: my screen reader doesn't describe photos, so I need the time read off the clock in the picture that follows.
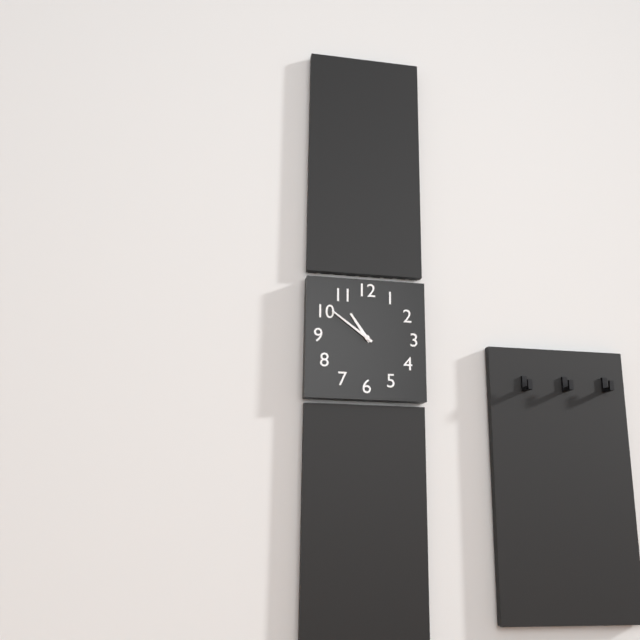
10:51
